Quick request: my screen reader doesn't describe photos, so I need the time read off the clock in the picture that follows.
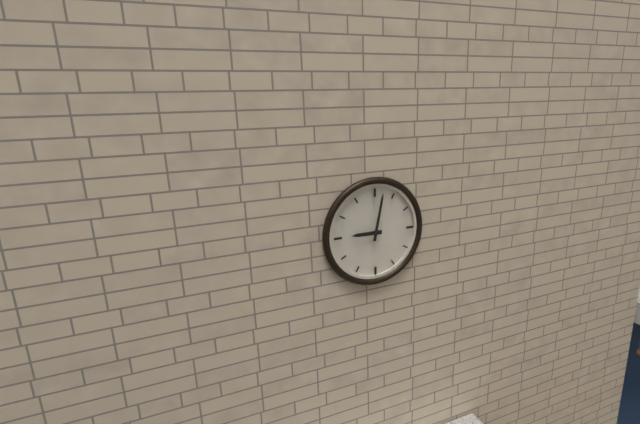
9:02
